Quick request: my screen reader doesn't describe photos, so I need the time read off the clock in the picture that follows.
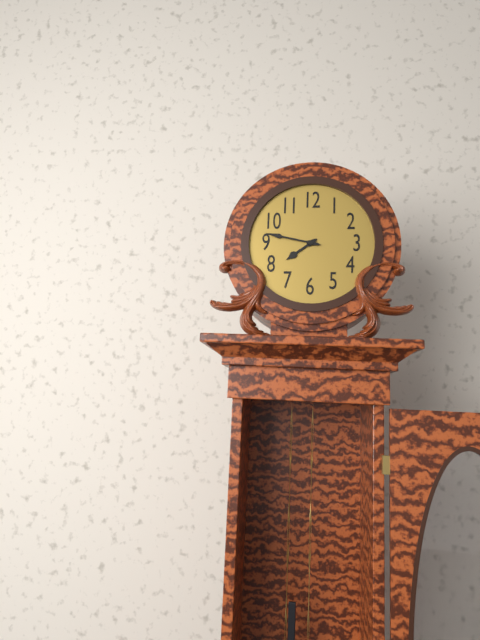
7:47
